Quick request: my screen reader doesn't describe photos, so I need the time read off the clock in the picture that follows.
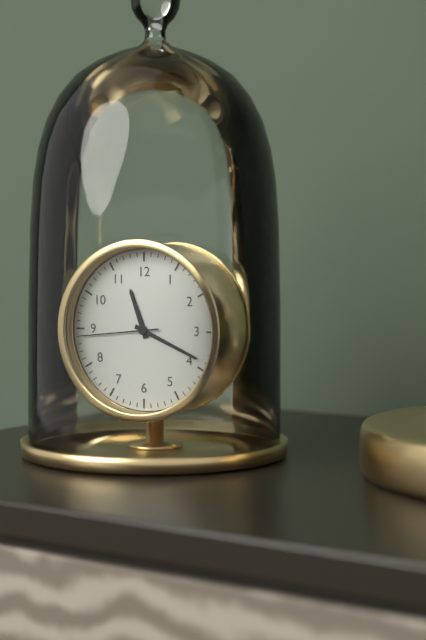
11:19:44
